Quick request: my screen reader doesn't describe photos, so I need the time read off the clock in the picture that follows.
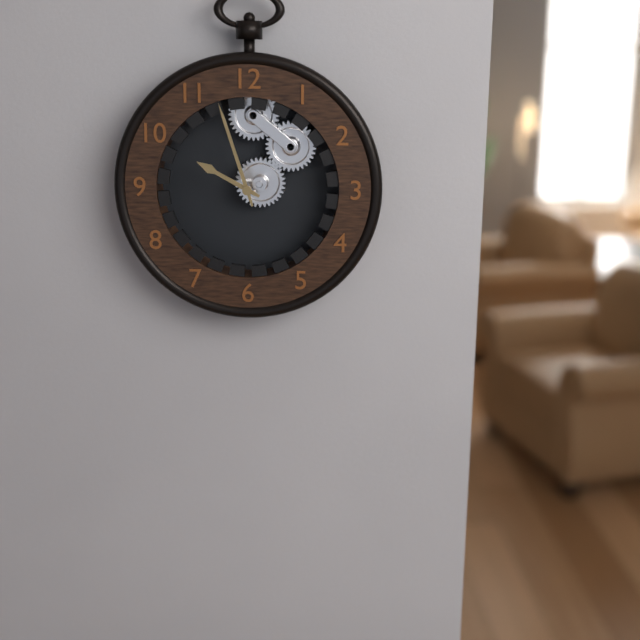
9:57
